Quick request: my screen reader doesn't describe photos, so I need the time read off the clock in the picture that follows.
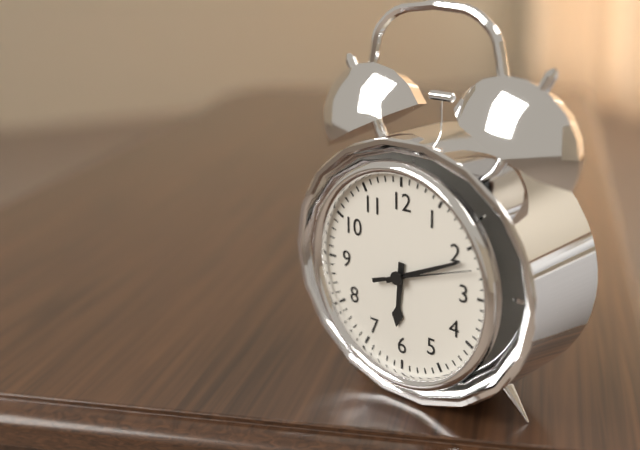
6:11:12
